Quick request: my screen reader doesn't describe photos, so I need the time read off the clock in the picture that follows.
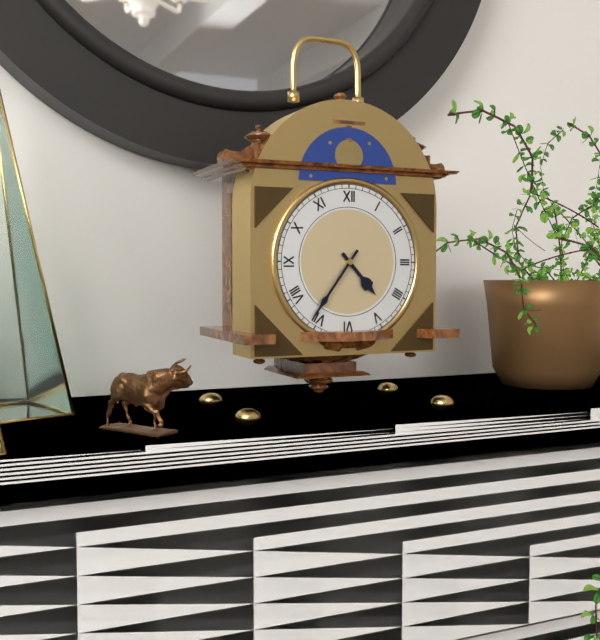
4:36
